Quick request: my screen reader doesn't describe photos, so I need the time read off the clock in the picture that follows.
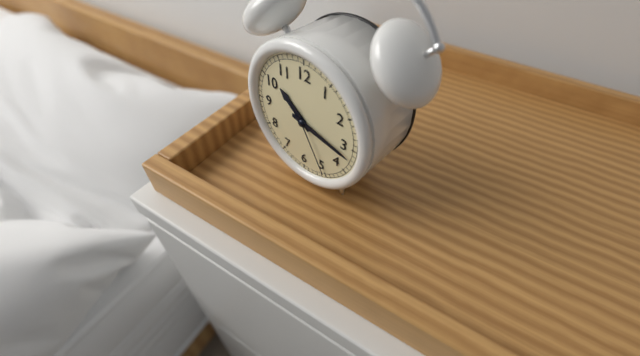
10:17:25
